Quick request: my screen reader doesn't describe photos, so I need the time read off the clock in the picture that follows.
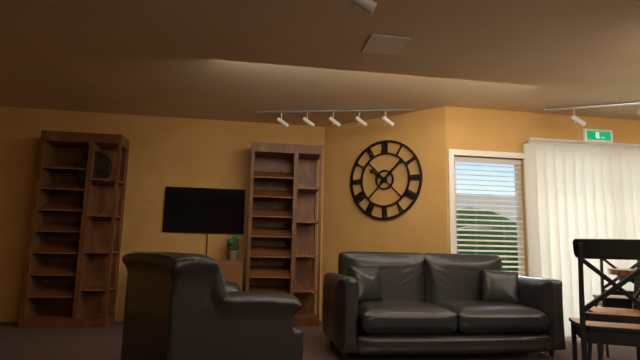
10:08
